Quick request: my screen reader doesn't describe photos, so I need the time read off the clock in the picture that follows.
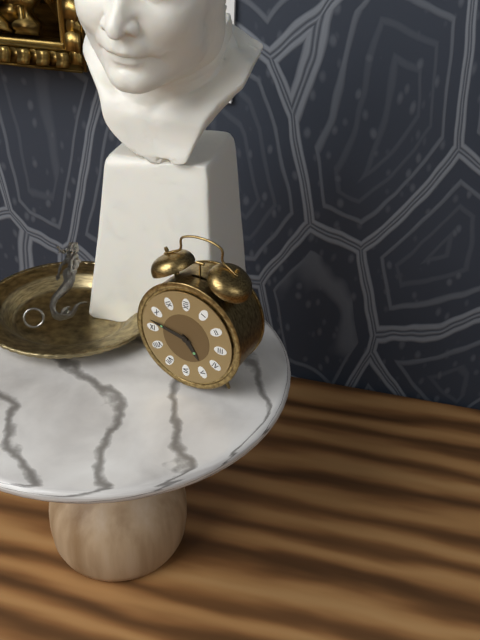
4:47
